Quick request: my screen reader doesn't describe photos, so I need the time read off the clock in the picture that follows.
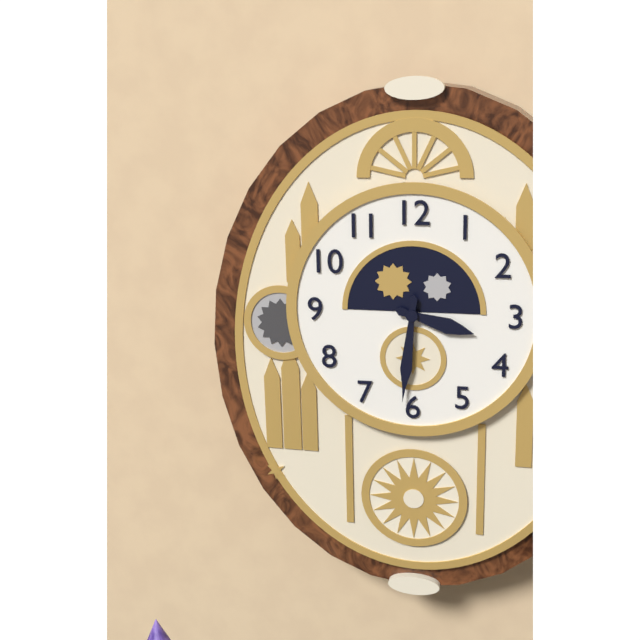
3:31
